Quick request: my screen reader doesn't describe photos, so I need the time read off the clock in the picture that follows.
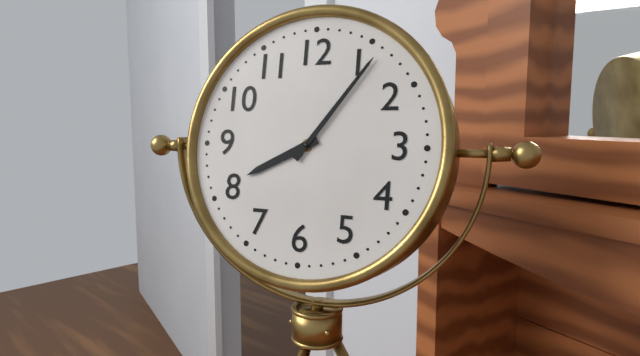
8:06
